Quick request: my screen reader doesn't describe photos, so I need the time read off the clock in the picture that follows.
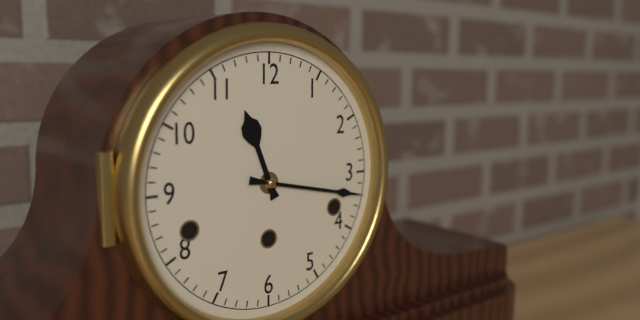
11:17
